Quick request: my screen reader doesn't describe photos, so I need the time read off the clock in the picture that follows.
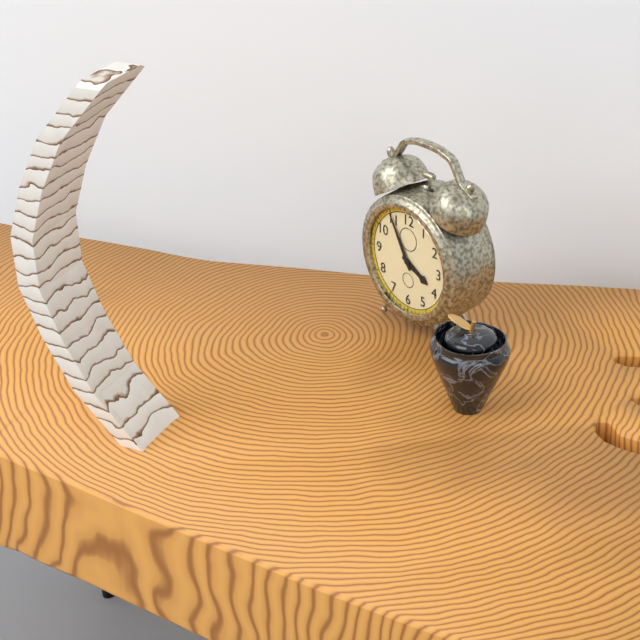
3:55
